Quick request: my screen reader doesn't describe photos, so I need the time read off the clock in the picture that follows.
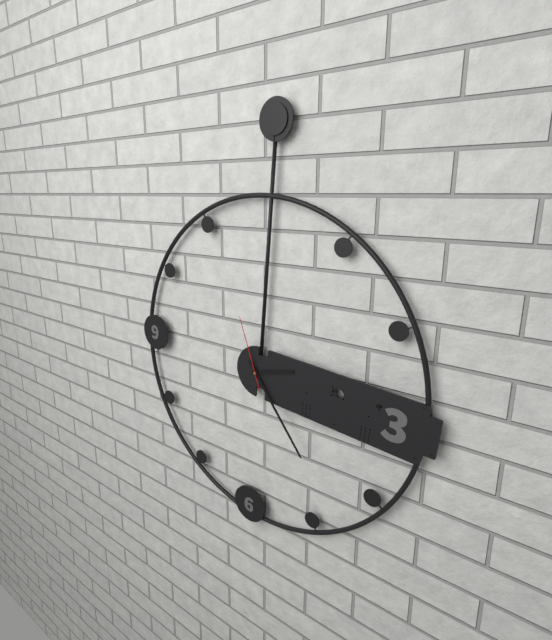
2:23:56
